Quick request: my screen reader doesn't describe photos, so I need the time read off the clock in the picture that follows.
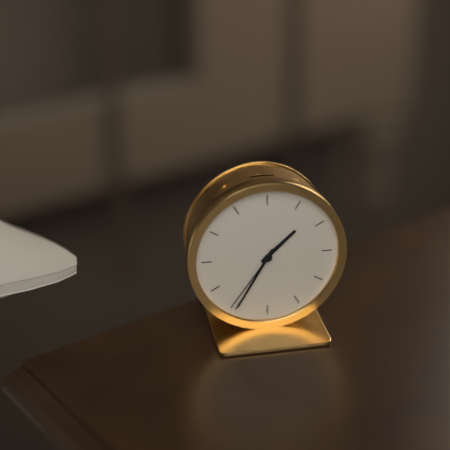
1:35:36
